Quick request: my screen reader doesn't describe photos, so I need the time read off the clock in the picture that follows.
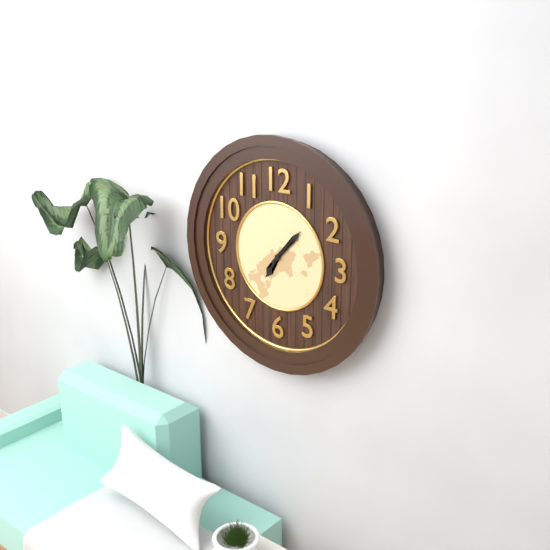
7:07
